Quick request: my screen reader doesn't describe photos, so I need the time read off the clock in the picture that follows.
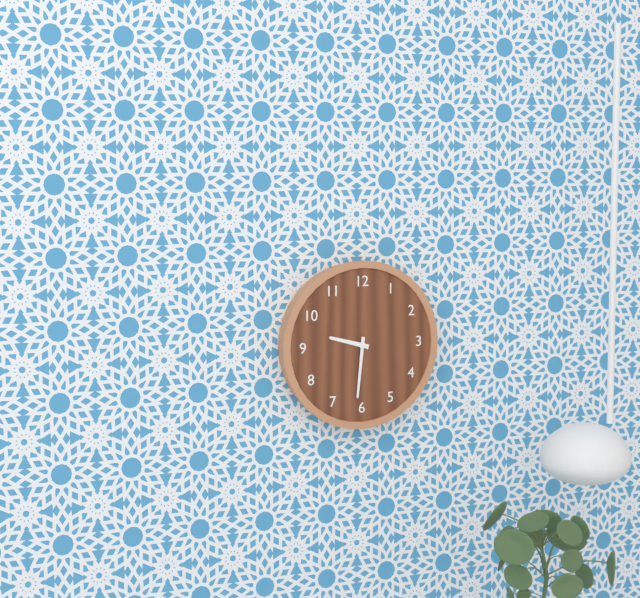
9:31
